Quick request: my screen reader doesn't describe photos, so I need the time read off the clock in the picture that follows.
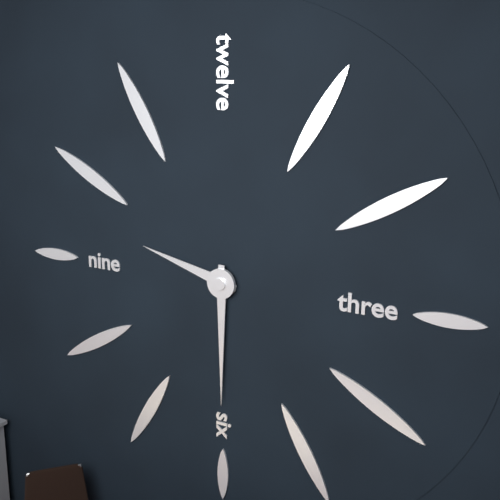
9:30
